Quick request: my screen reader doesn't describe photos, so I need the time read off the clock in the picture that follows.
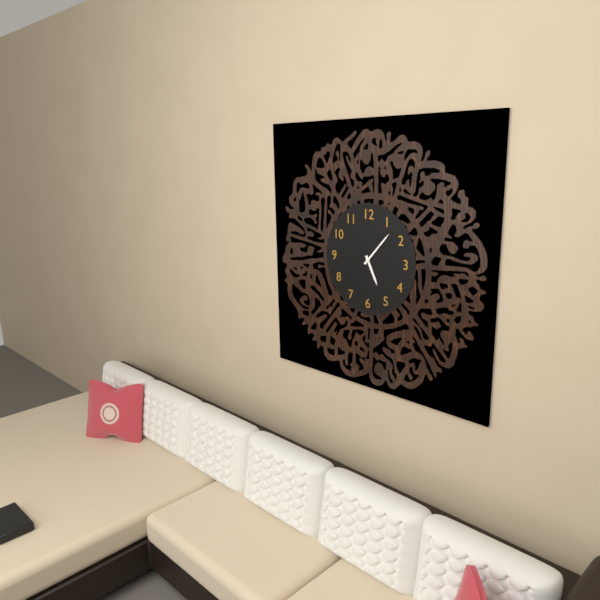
5:07
